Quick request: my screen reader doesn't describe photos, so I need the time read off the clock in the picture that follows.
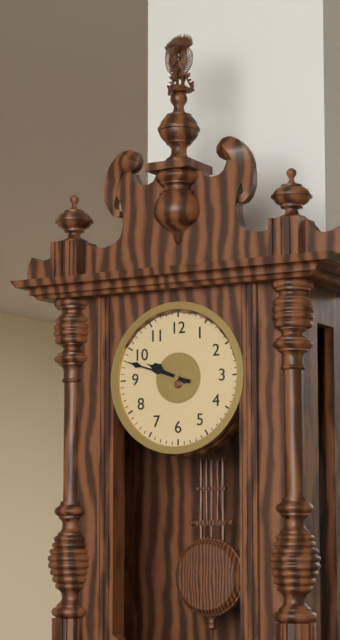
9:48
